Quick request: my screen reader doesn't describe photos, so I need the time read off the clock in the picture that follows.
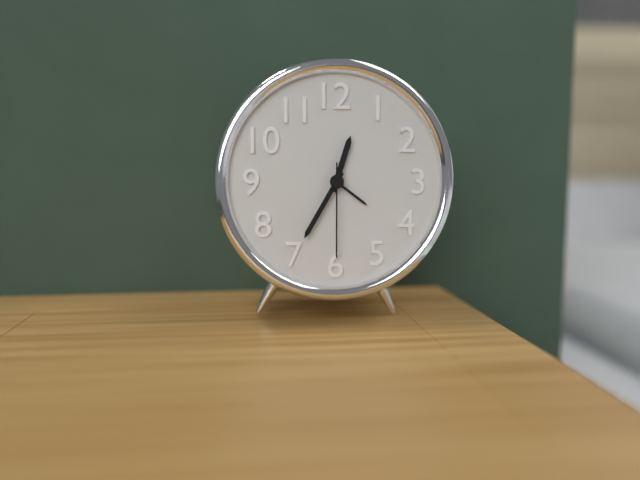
12:35:30
